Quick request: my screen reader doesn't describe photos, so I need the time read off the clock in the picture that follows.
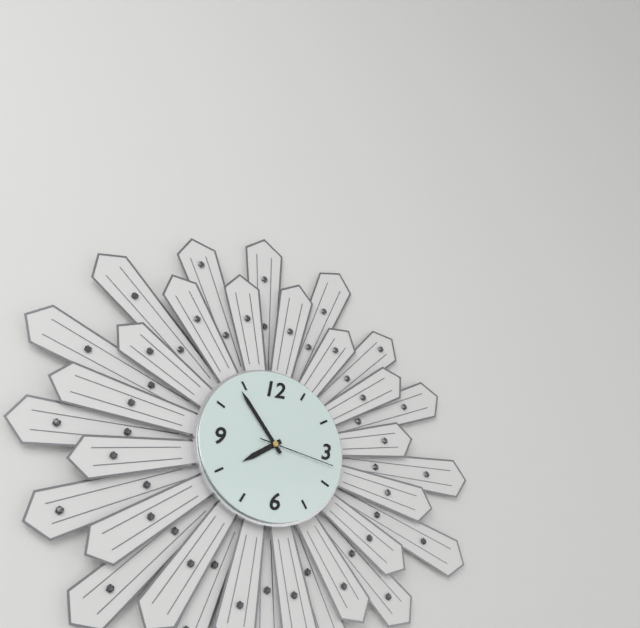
7:54:17
